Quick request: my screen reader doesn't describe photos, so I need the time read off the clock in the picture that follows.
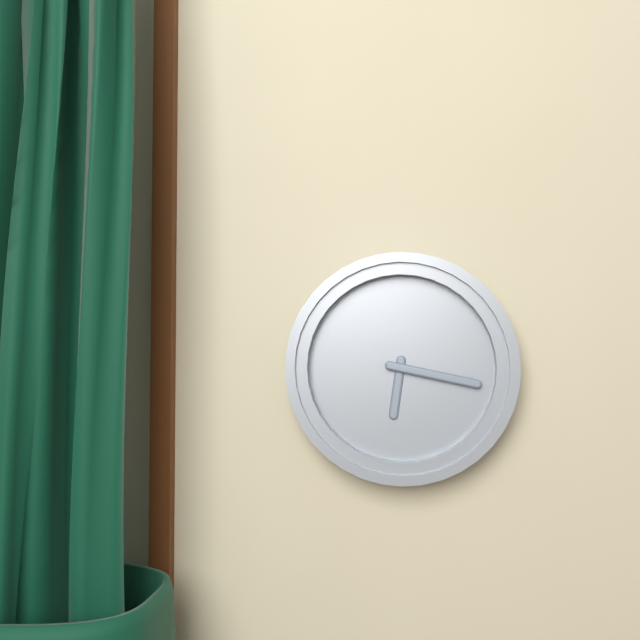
6:17
